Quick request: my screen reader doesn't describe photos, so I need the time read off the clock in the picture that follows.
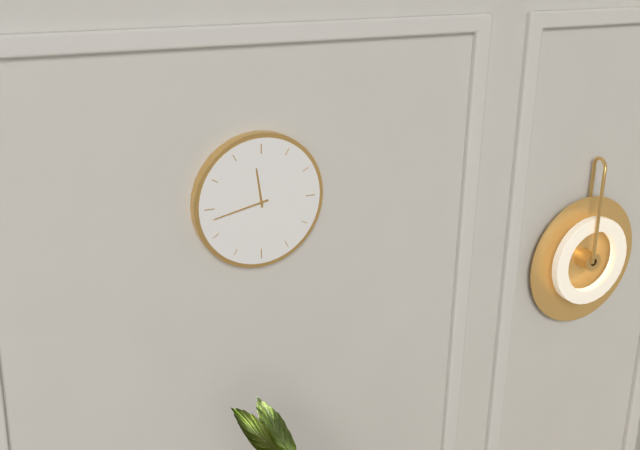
11:43
